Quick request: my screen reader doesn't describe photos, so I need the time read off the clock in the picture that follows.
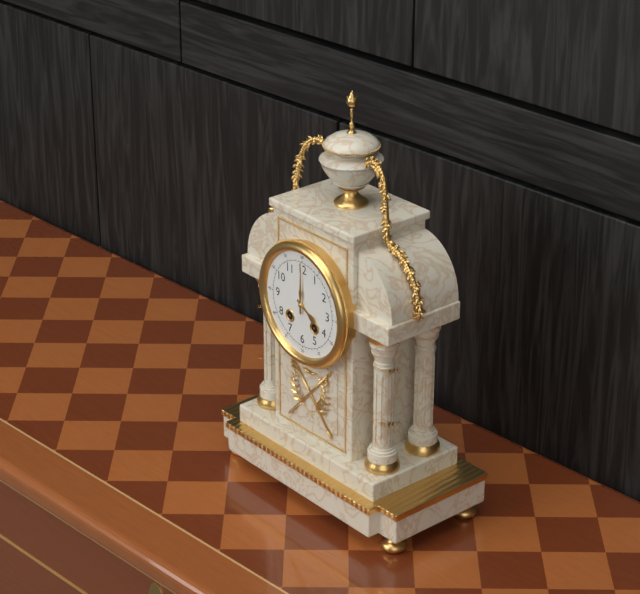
4:00
